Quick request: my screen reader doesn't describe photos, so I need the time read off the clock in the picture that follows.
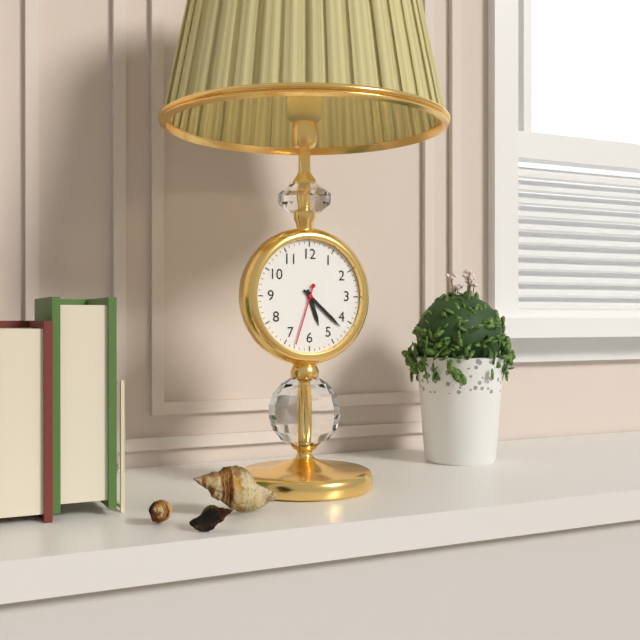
5:22:33
